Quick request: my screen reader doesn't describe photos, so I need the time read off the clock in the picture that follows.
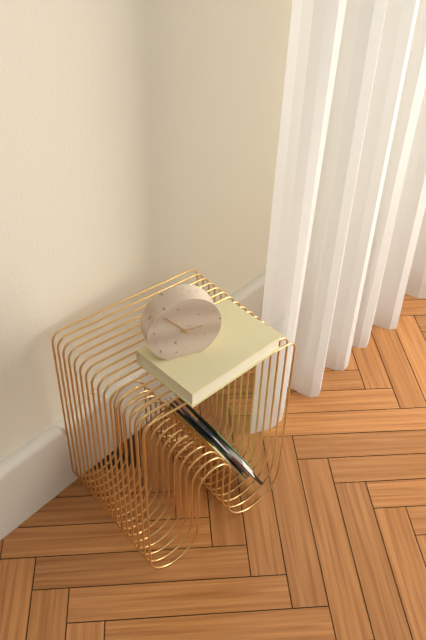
2:53
